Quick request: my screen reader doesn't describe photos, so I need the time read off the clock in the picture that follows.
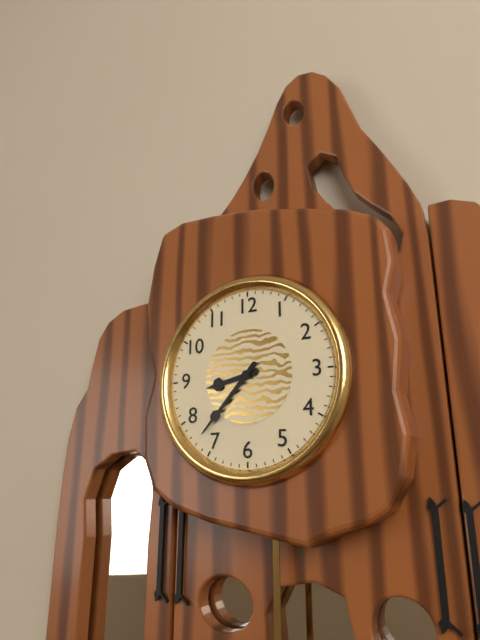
8:37
